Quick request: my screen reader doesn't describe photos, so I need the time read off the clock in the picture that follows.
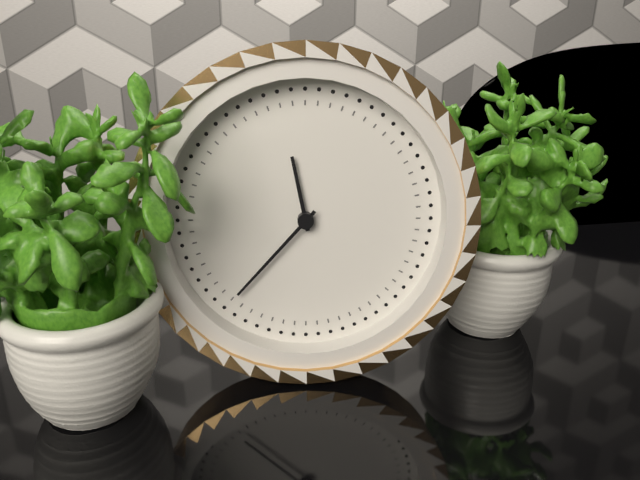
11:37
